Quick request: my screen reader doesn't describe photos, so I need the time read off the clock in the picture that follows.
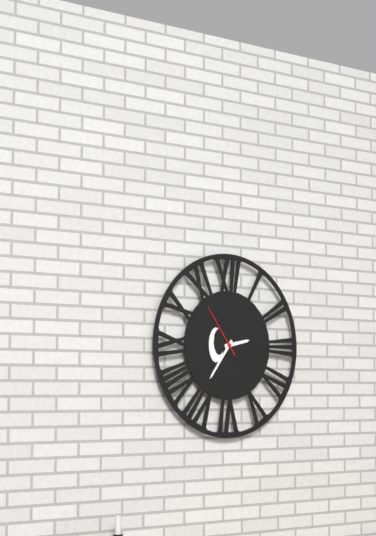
2:36:54
